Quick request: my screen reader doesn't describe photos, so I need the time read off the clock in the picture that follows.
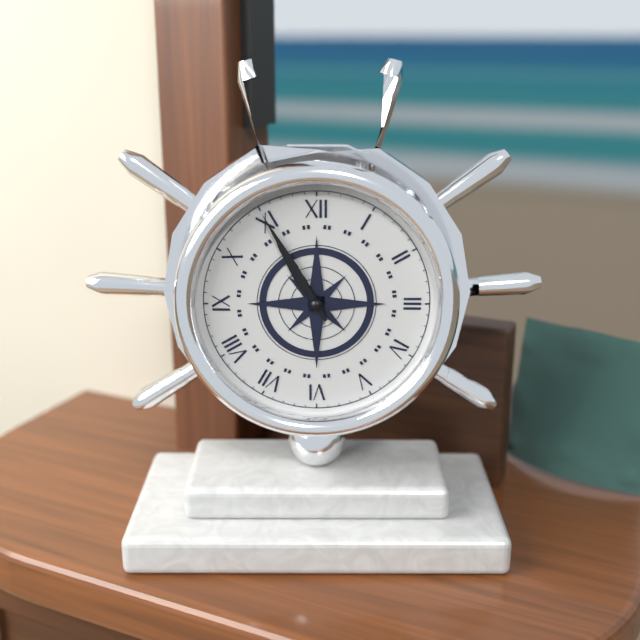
10:55
